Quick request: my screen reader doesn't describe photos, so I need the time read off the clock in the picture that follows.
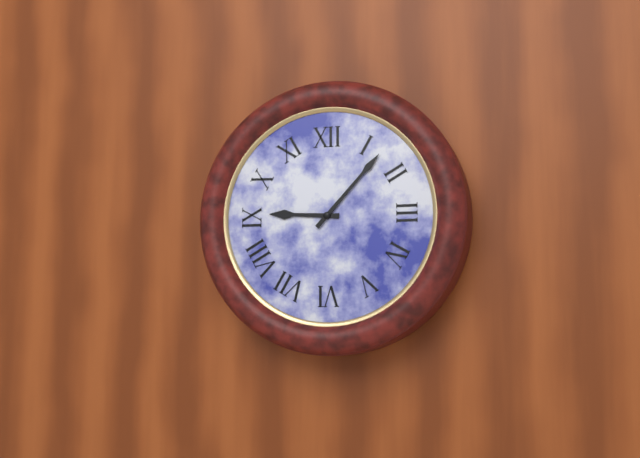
9:07
